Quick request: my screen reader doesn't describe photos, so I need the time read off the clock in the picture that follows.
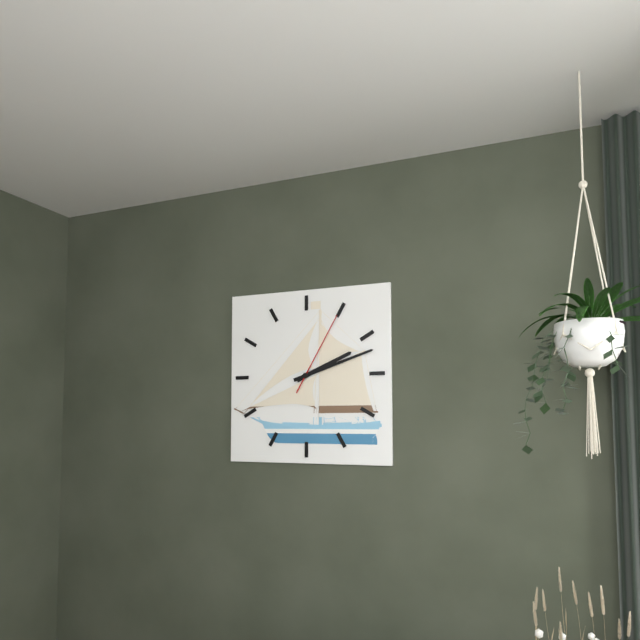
2:12:05
